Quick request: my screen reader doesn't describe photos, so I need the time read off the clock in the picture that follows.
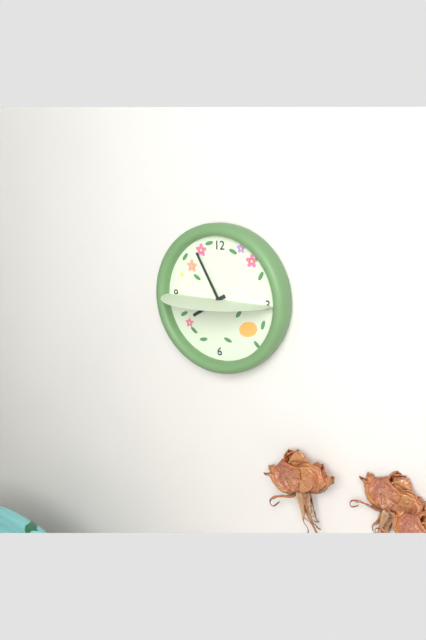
7:55
